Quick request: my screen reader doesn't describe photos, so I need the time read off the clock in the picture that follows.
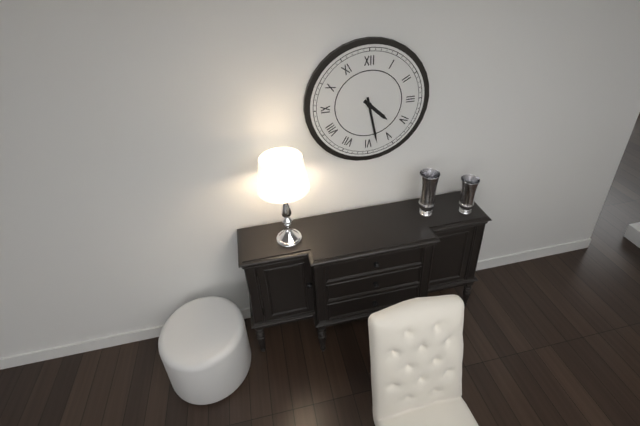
4:28
